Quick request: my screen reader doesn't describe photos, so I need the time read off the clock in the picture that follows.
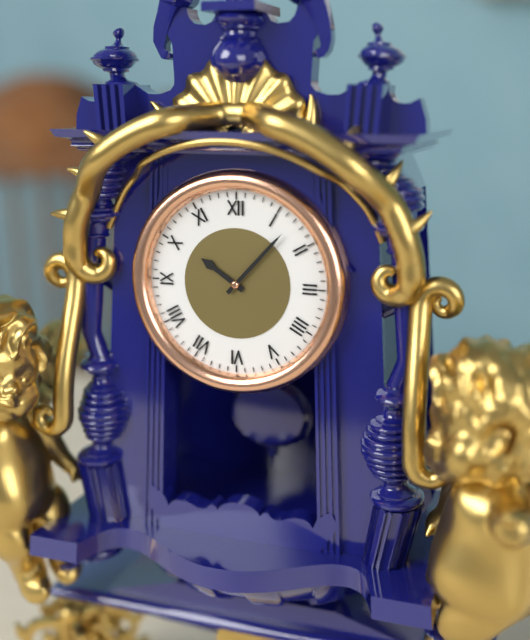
10:07
